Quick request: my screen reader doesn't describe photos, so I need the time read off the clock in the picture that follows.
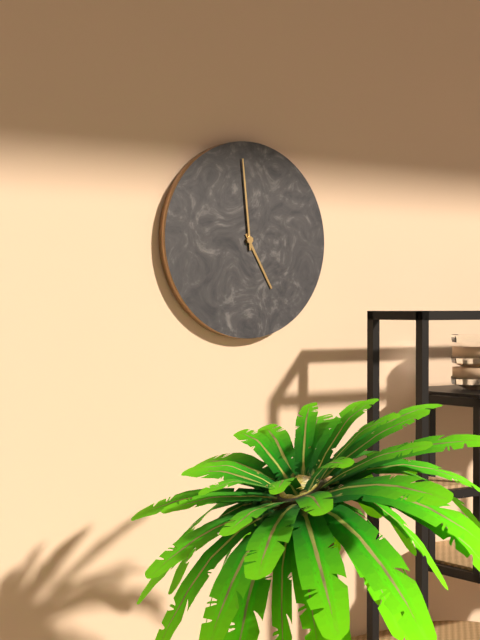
4:59
